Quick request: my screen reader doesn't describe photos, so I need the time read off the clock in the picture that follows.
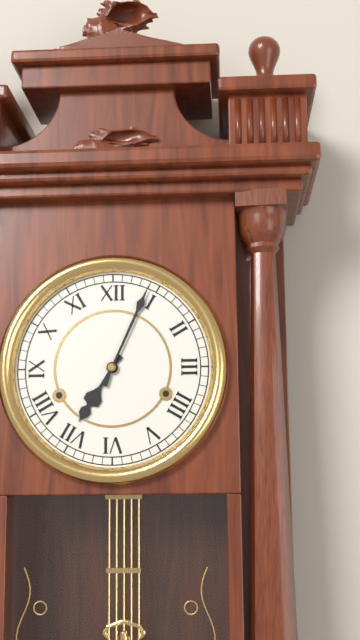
7:04
